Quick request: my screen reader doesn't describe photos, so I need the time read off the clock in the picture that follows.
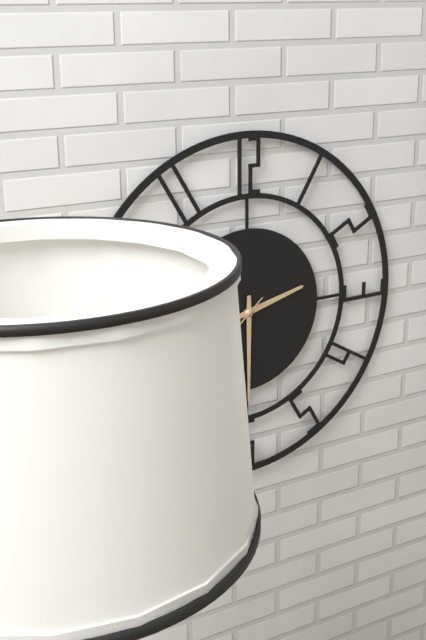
2:30
